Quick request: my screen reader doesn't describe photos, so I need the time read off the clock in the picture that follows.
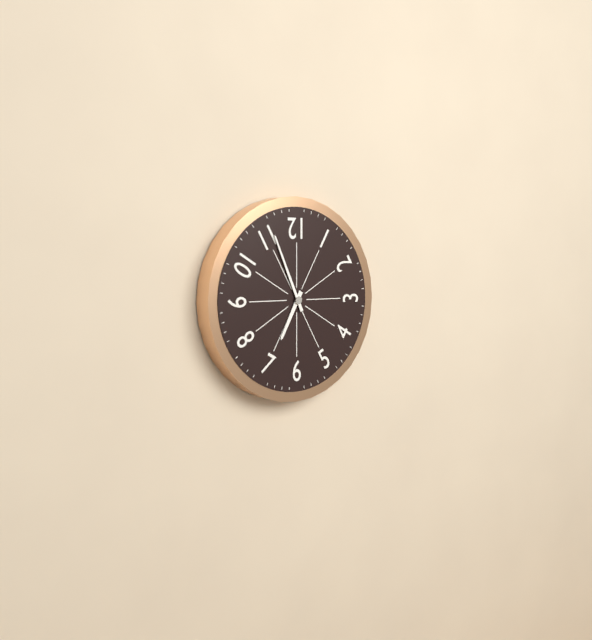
6:56
